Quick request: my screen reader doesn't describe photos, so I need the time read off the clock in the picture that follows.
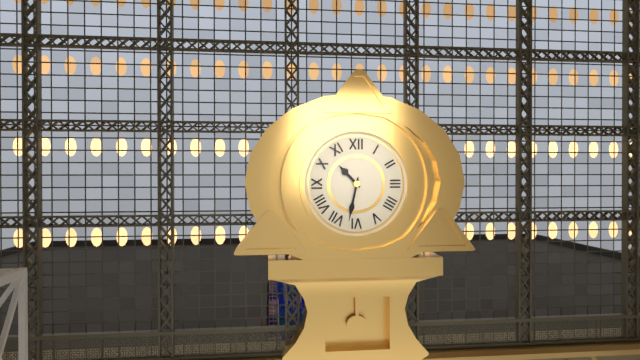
10:32
